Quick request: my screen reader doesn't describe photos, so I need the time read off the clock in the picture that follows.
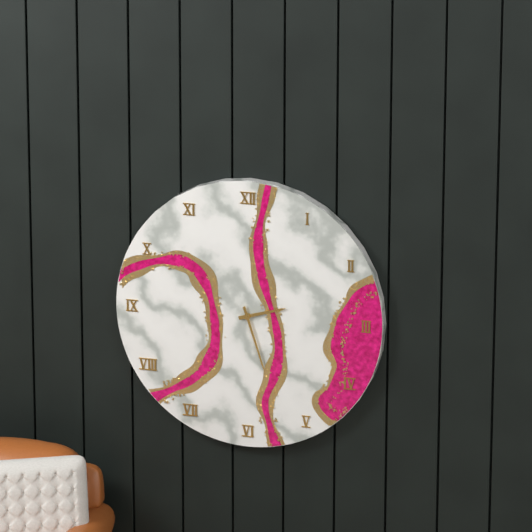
2:27
